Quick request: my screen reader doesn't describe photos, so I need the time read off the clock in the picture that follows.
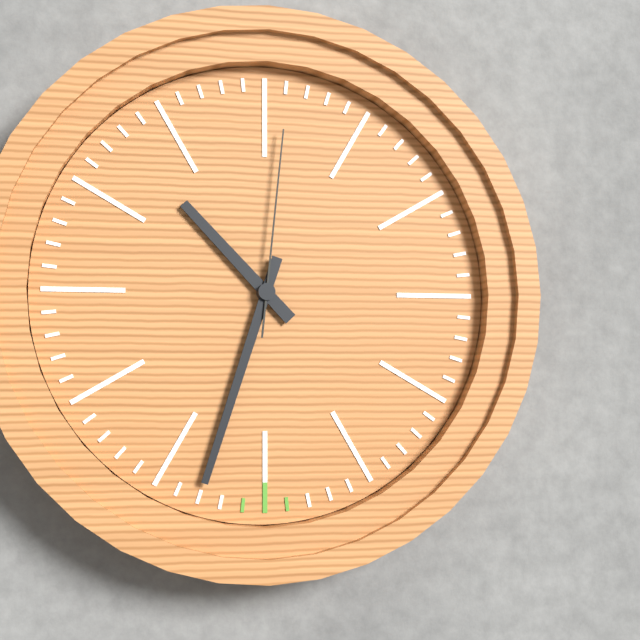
10:33:01
